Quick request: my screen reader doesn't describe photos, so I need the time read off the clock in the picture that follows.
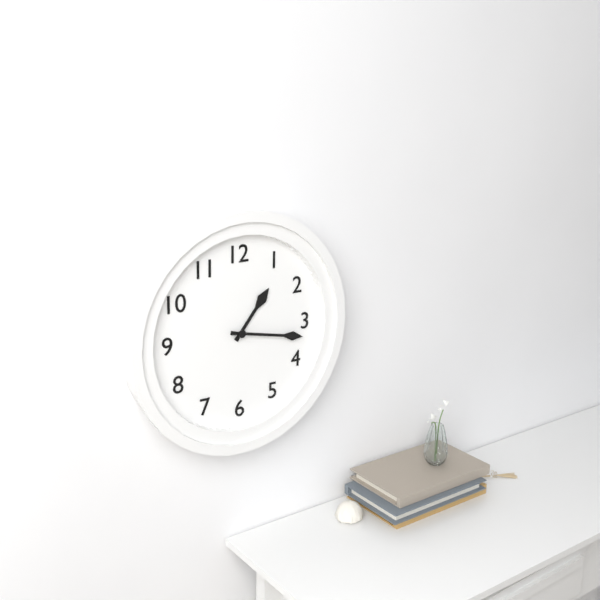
1:17
